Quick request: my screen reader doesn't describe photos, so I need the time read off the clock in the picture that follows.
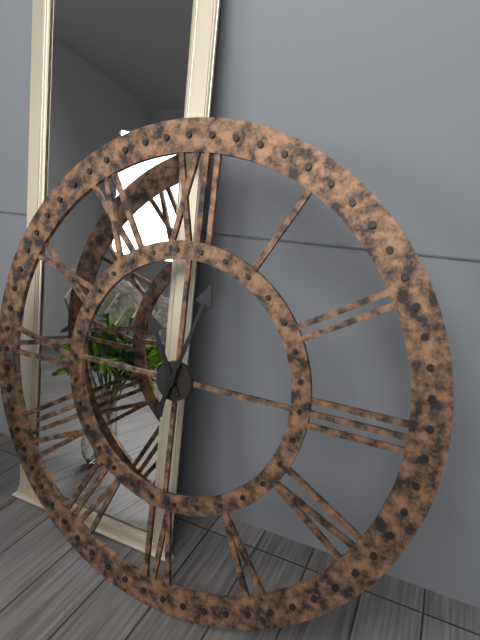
11:03
